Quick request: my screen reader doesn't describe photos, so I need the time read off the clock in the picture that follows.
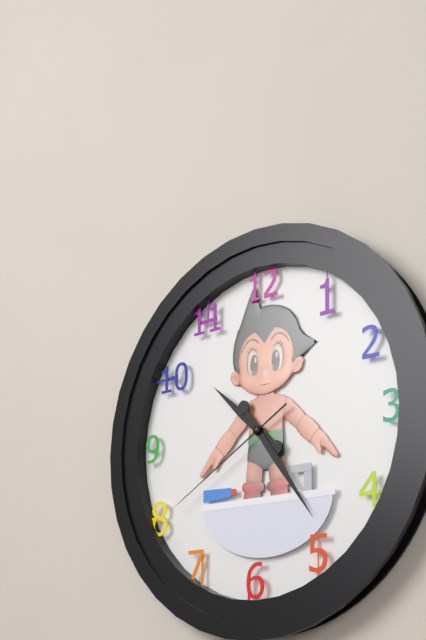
10:24:40
